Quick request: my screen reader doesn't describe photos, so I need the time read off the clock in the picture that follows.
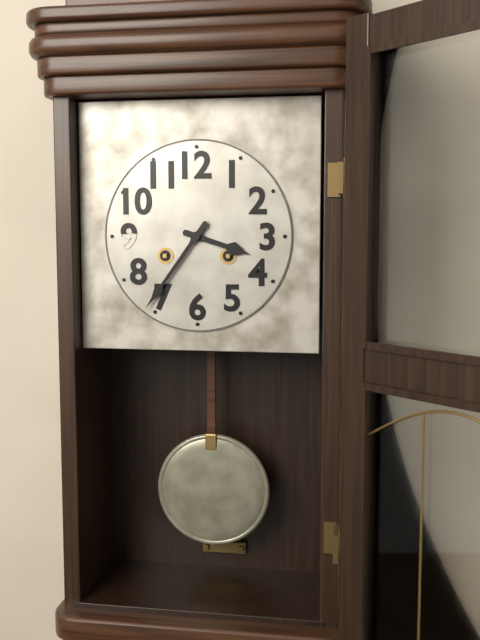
3:36
